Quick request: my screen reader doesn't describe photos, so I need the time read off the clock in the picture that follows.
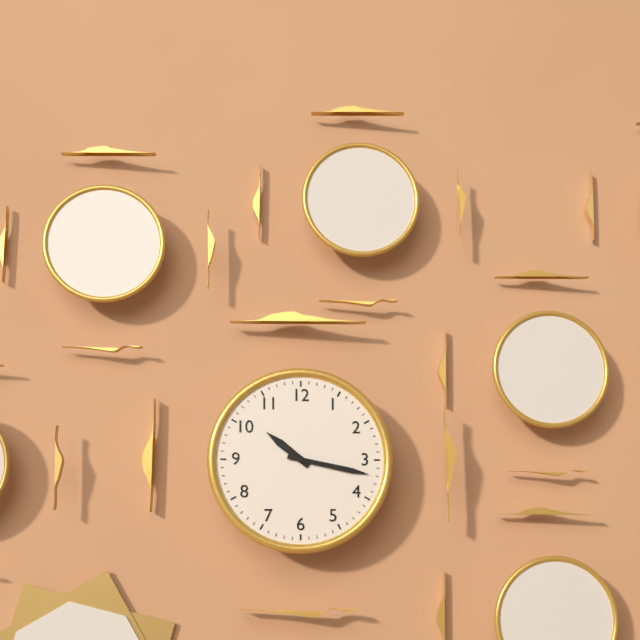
10:17
